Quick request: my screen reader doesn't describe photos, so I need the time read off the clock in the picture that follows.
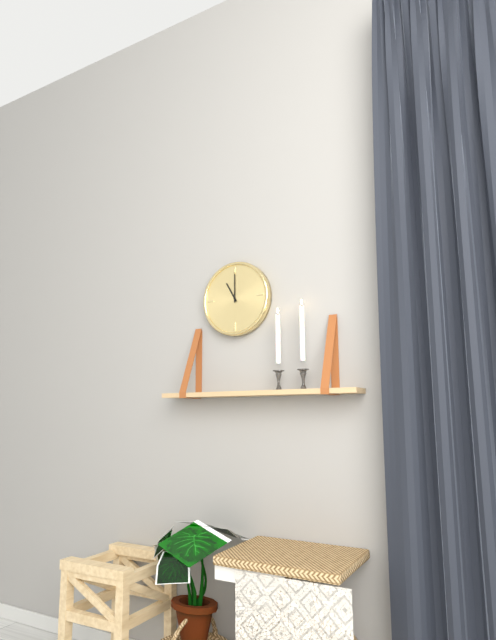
11:00
